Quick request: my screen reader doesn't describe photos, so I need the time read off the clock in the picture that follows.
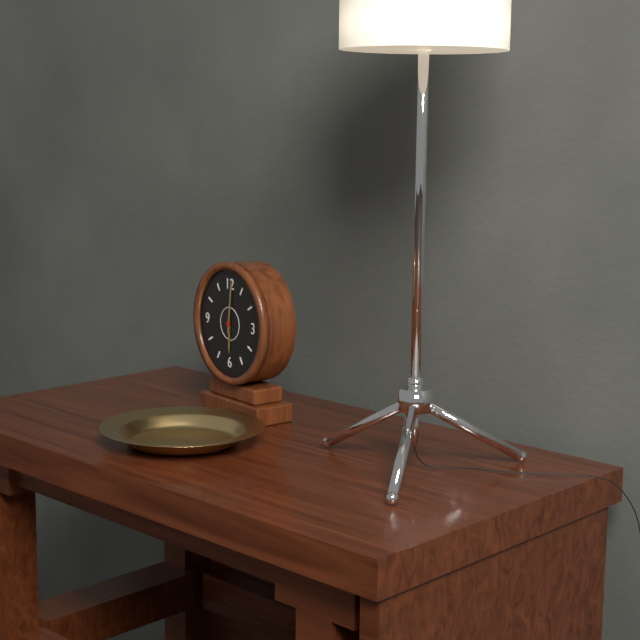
6:01
